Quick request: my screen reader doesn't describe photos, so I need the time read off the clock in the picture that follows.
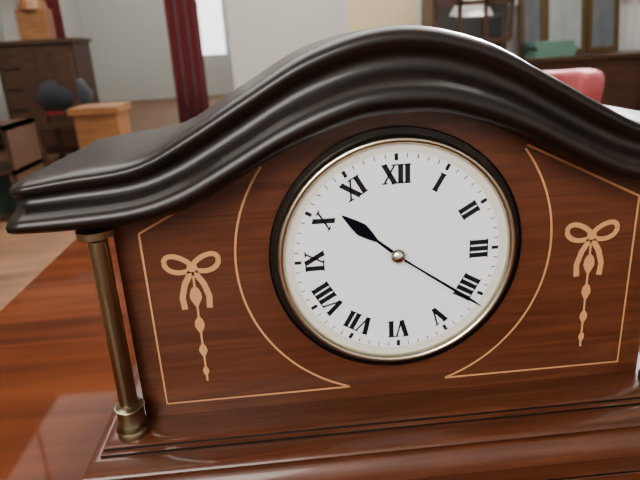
10:21
